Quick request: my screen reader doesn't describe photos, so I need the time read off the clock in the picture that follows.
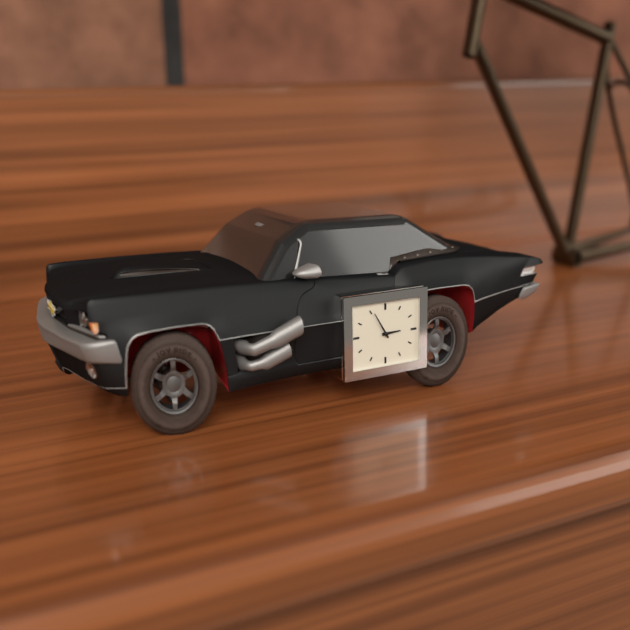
2:55
